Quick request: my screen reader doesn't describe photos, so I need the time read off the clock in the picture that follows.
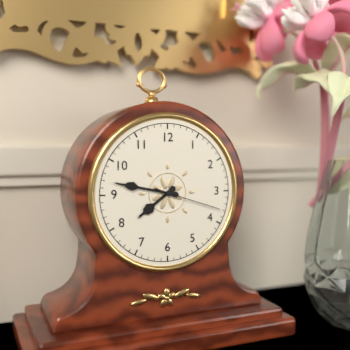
7:47:18
